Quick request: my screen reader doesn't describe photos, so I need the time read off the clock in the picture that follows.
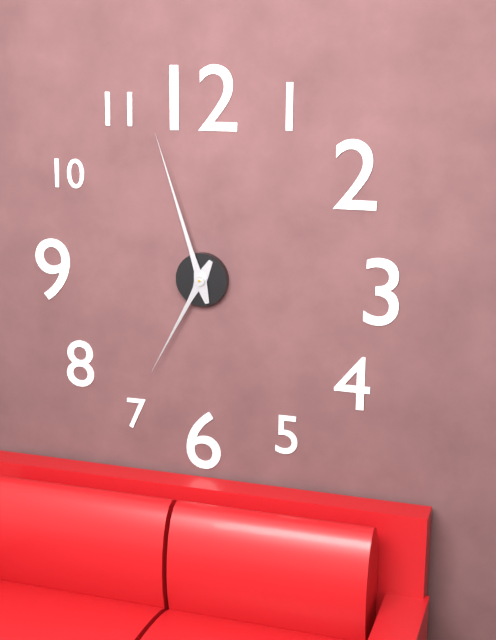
6:57
